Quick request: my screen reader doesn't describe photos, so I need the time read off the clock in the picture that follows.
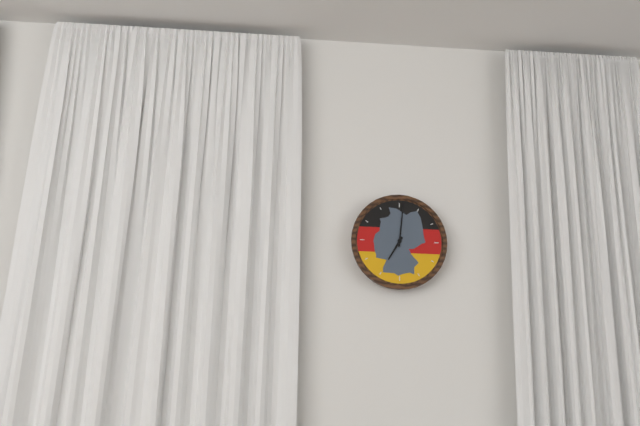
7:01
